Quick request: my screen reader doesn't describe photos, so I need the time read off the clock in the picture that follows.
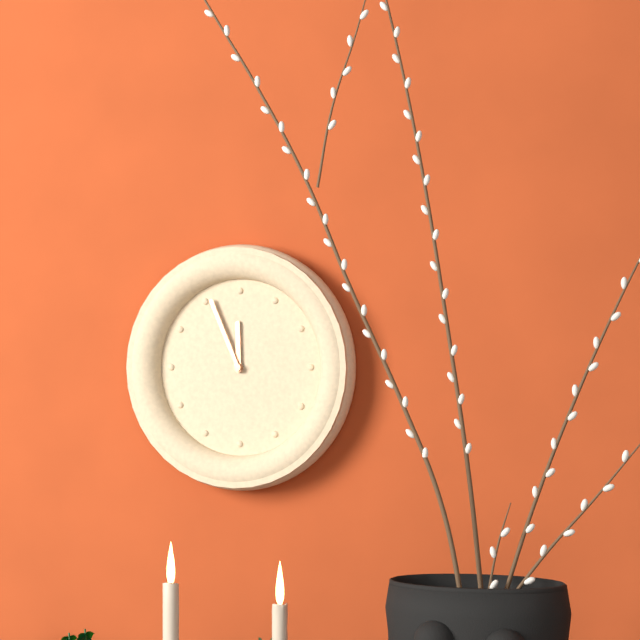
11:56
